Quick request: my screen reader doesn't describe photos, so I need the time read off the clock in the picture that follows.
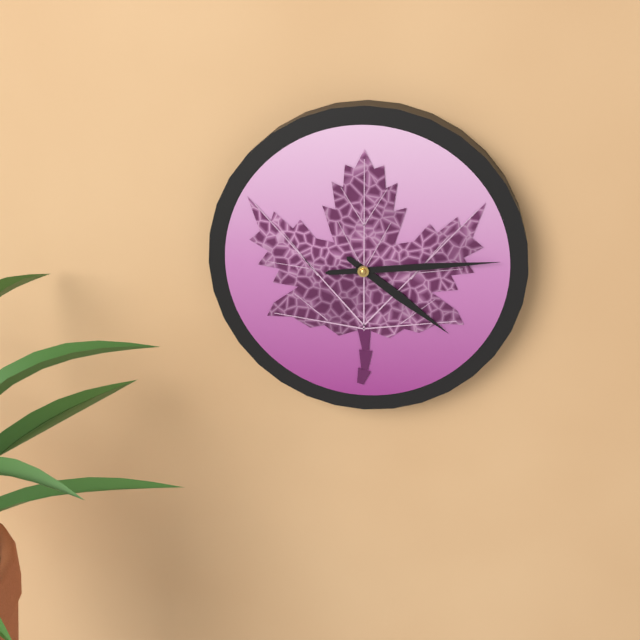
4:14
